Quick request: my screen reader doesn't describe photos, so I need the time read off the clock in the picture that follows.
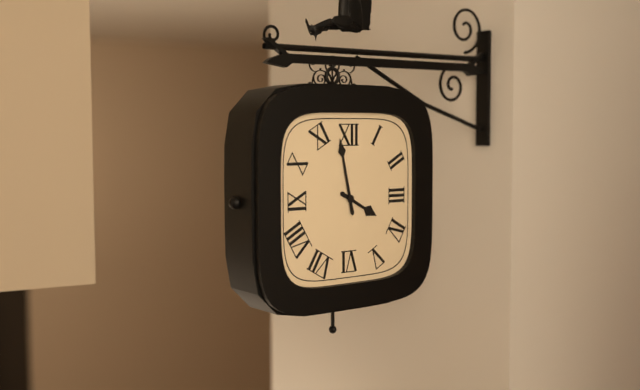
3:58
